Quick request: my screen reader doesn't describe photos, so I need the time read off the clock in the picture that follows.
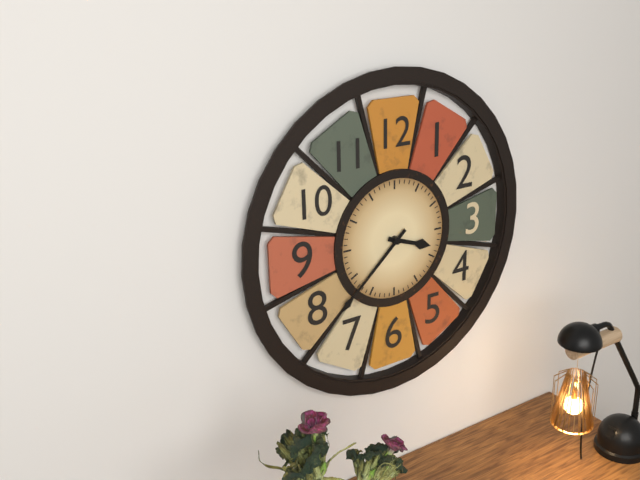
3:38
